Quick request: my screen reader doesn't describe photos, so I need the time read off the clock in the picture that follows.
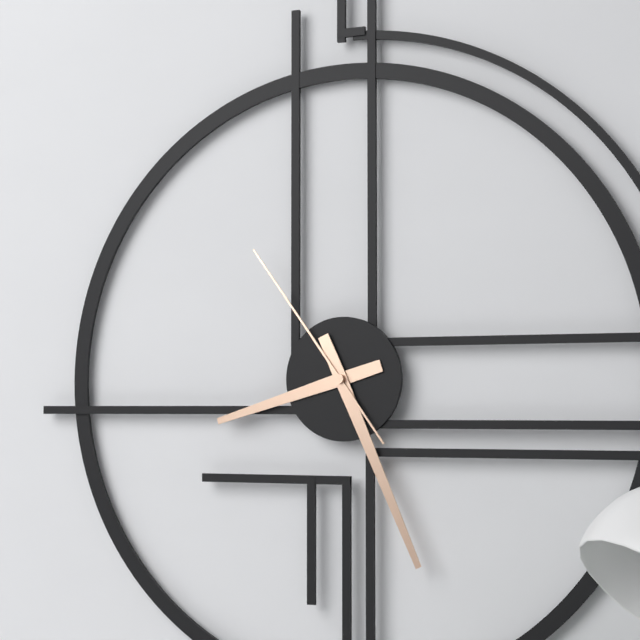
8:26:54
